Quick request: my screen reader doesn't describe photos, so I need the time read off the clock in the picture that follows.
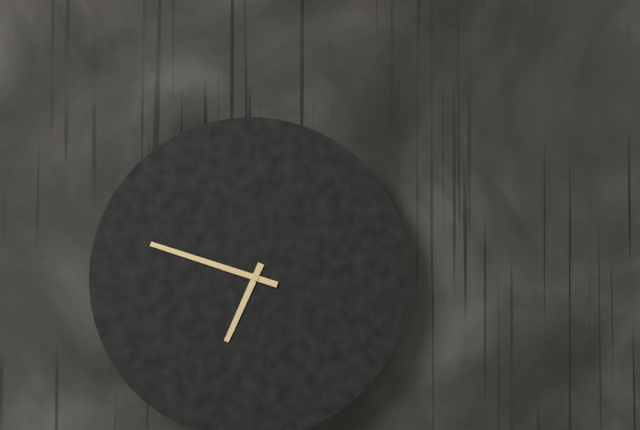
6:48
